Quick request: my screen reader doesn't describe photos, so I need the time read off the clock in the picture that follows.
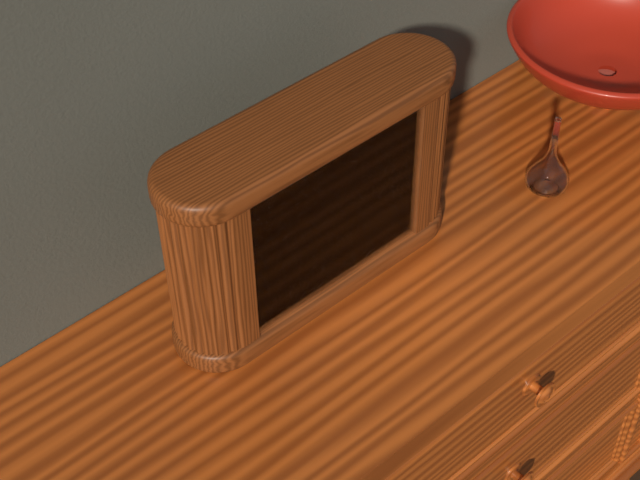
2:39
